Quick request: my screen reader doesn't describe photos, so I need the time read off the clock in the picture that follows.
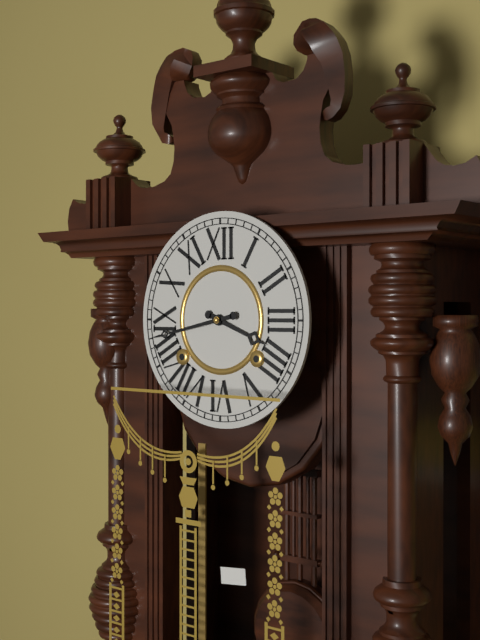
3:43
